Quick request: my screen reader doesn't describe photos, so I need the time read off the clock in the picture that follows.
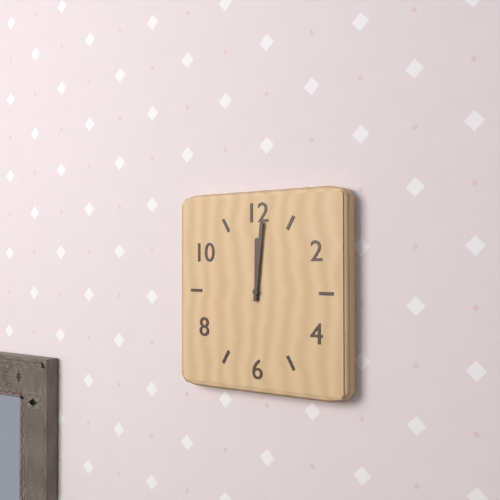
12:01
